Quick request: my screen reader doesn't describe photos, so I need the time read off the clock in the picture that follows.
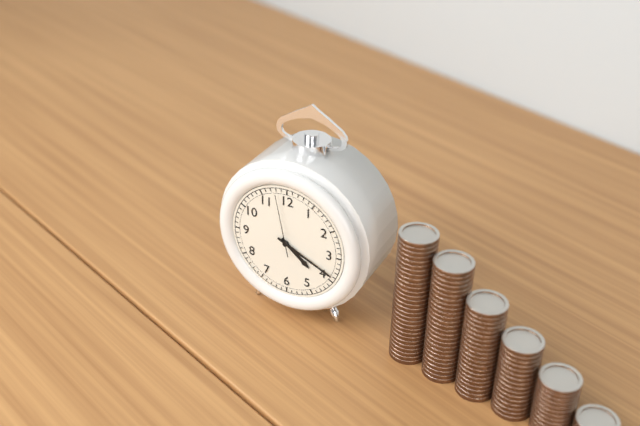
4:19:58
